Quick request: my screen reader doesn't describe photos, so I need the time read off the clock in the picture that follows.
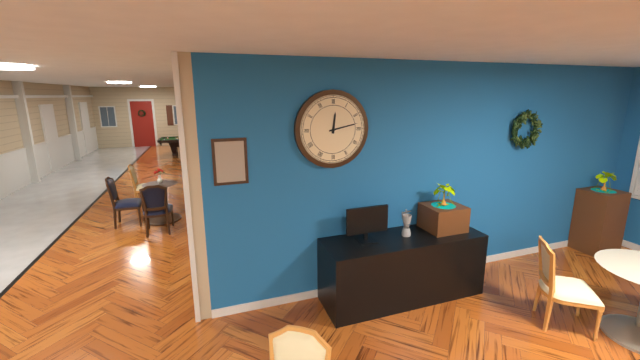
12:13
